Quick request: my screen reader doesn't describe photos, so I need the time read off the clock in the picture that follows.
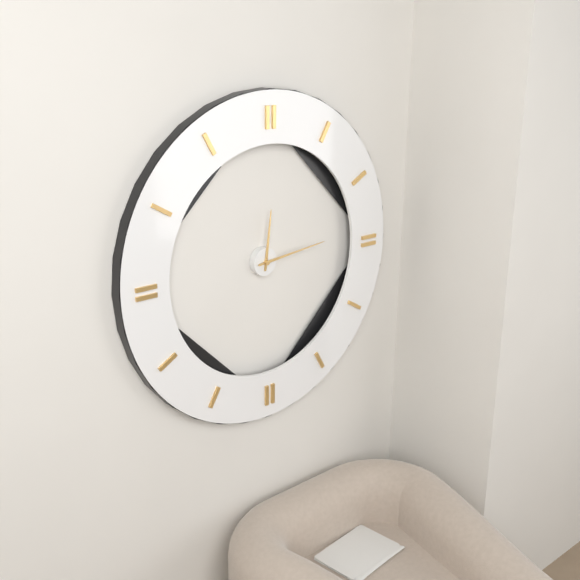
12:14
